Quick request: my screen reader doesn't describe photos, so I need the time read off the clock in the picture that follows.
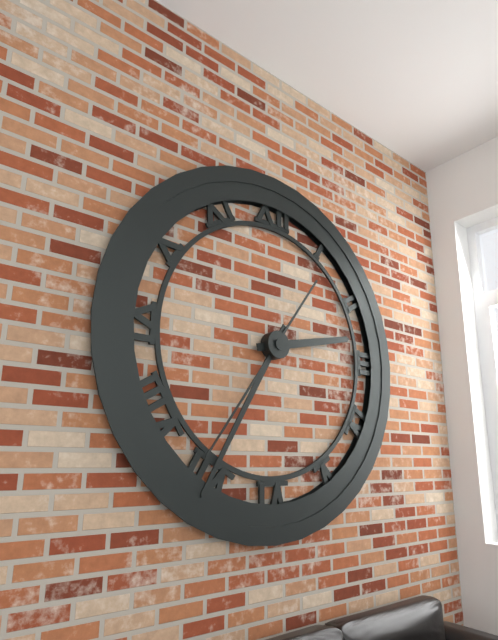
2:35:36
